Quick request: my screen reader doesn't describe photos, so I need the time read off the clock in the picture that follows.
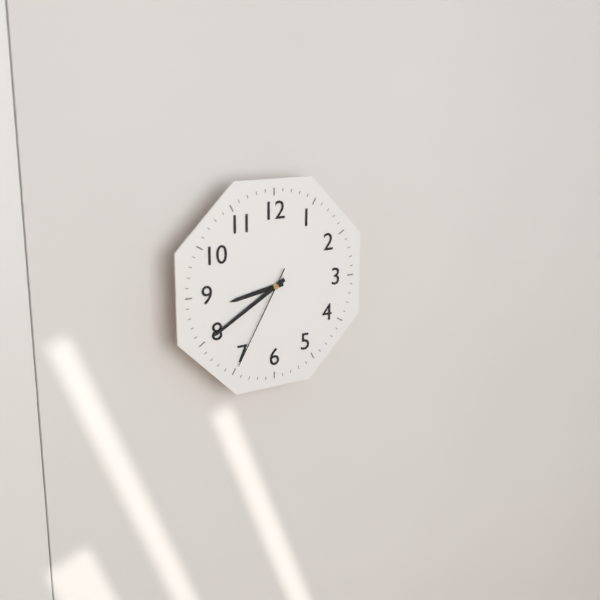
8:40:35
